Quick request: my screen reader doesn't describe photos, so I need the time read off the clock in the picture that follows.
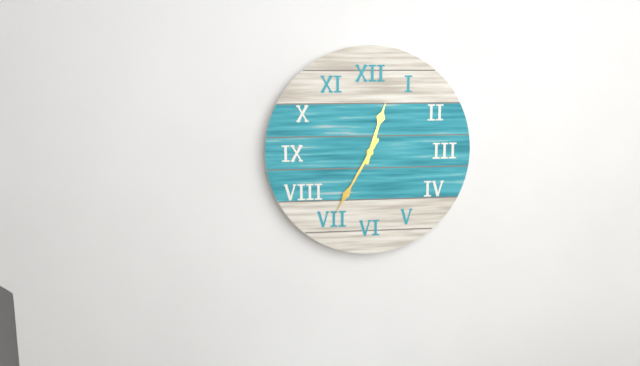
12:35
